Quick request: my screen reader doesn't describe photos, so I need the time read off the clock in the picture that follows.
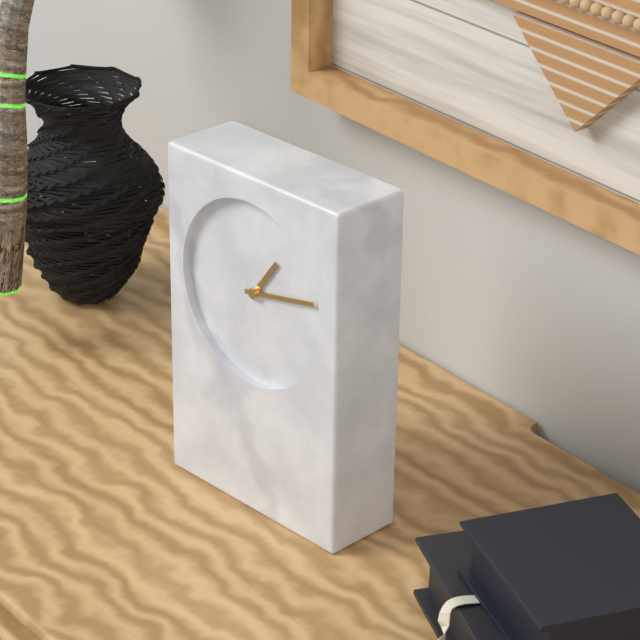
1:13
